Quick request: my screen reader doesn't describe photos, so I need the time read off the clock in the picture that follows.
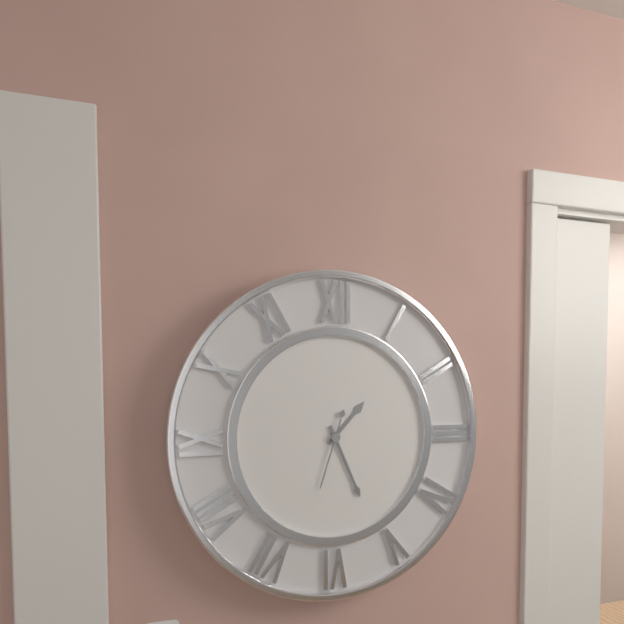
1:26:33
